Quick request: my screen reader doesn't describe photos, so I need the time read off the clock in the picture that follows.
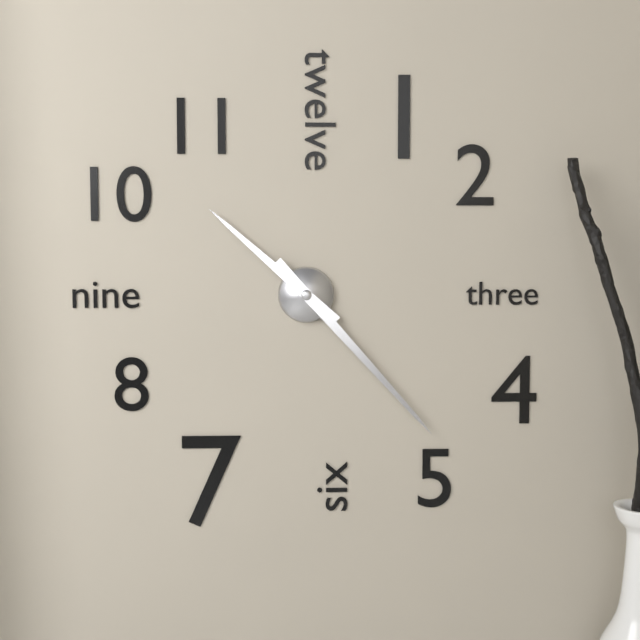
10:23
